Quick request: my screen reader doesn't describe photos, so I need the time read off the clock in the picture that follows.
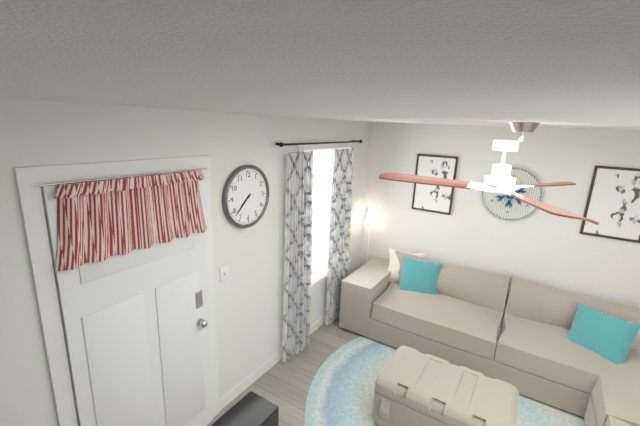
7:38
